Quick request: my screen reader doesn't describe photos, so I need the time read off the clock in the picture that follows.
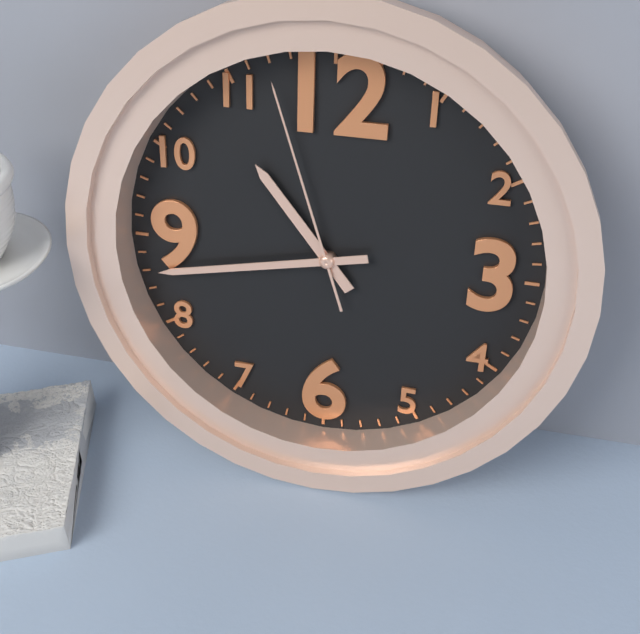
10:43:57
